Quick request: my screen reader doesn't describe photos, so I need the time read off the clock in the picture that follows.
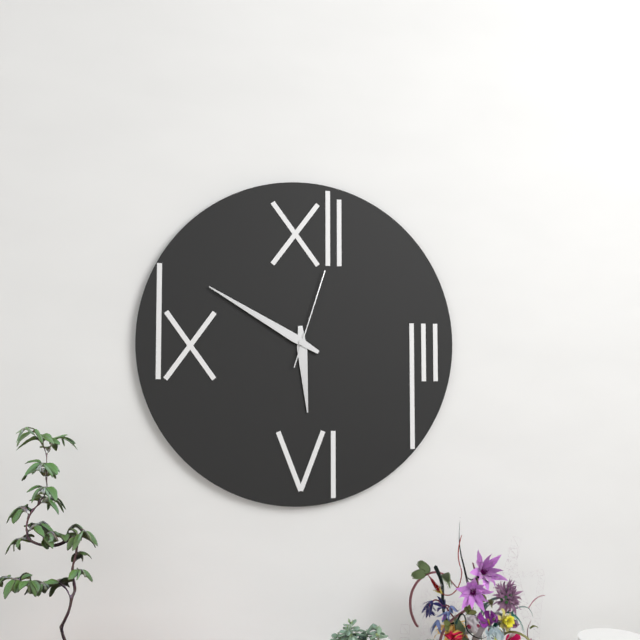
5:50:03
